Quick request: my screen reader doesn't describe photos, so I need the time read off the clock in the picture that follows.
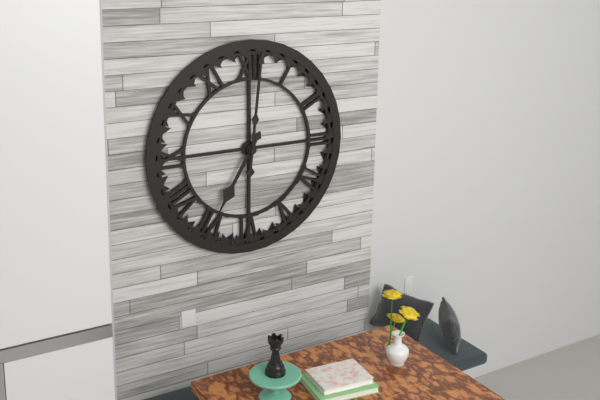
7:01
